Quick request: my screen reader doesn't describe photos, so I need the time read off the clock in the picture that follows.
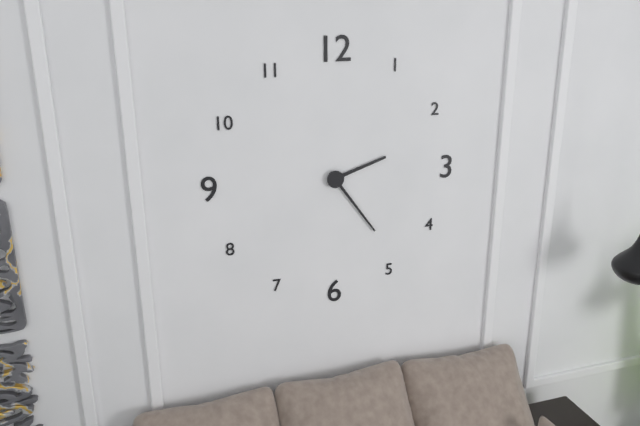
2:24
